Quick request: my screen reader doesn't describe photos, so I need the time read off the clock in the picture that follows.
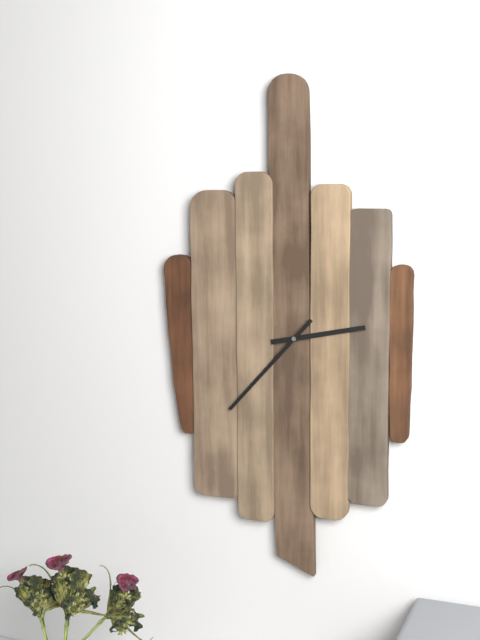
2:37
